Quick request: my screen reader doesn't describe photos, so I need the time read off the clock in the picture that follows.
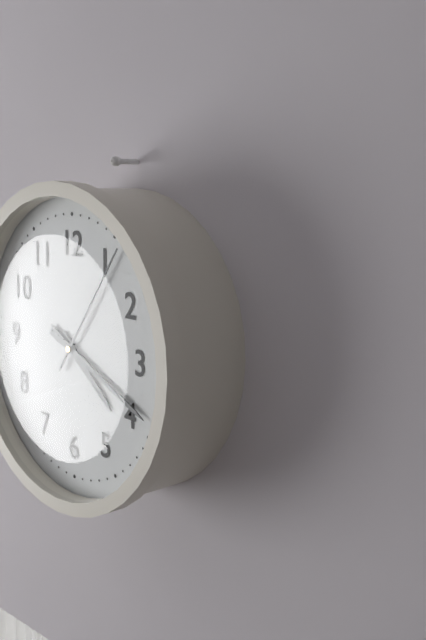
4:19:06
